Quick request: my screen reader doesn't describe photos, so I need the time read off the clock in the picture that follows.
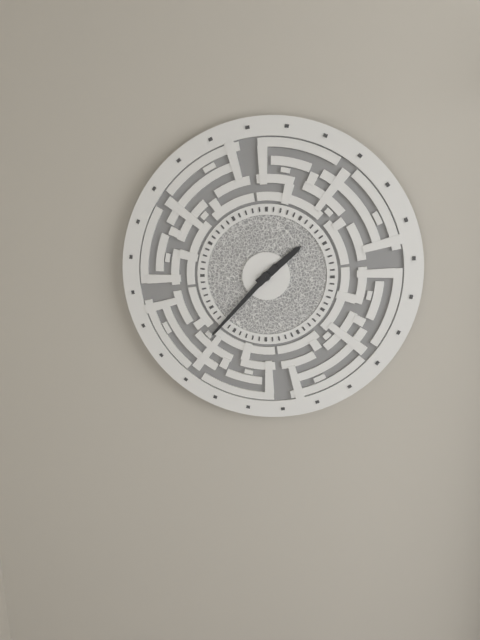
1:37
